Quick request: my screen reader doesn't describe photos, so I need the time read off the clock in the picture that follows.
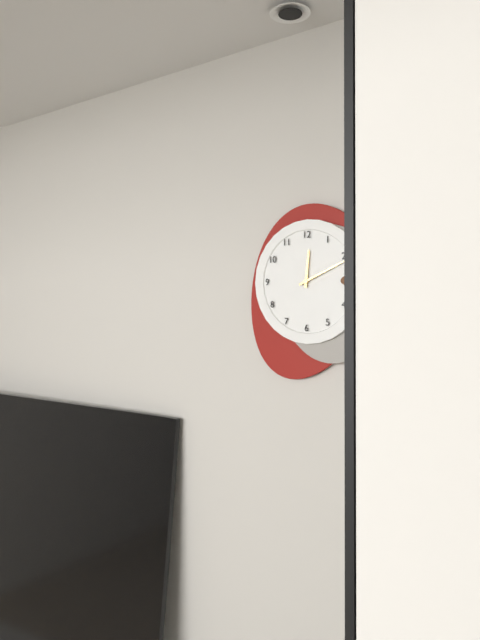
12:11
